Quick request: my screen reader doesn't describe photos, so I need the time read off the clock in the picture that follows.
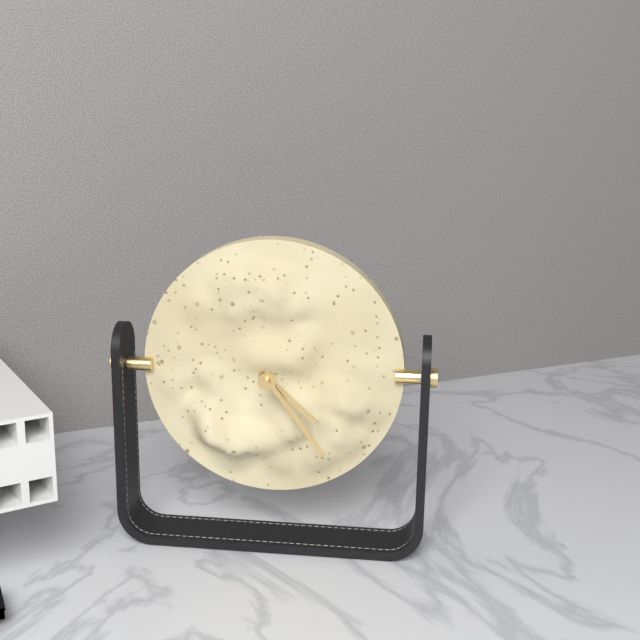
4:24
